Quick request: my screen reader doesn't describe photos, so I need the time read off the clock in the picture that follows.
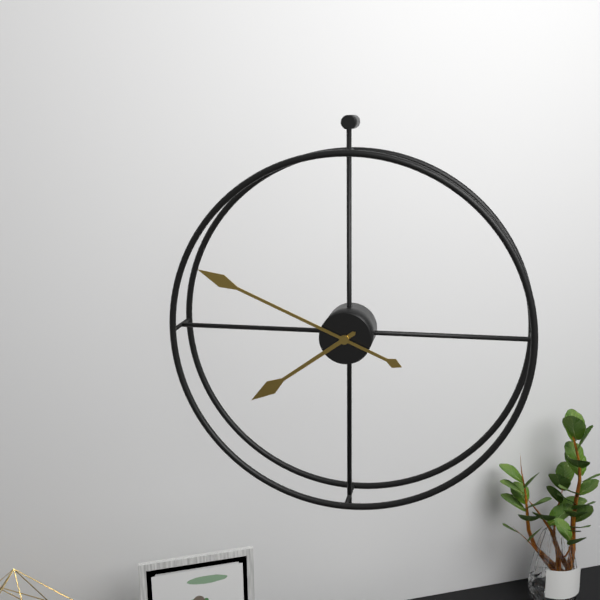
7:49
